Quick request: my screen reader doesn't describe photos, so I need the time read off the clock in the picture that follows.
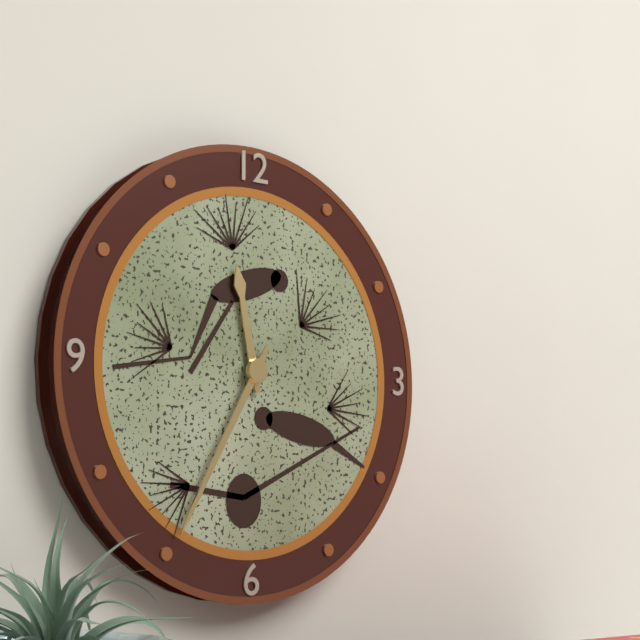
11:35
